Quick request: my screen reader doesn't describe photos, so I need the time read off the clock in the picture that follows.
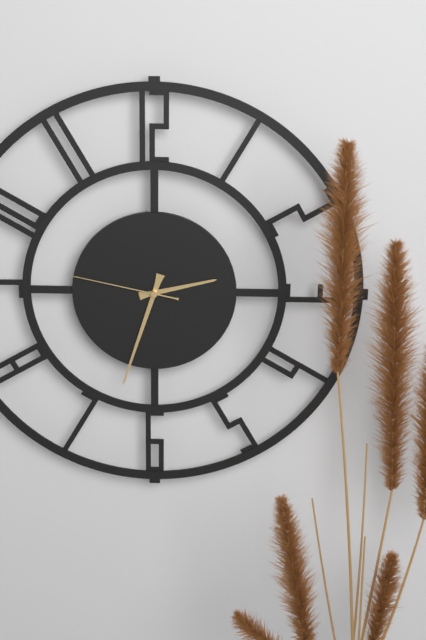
2:33:47
